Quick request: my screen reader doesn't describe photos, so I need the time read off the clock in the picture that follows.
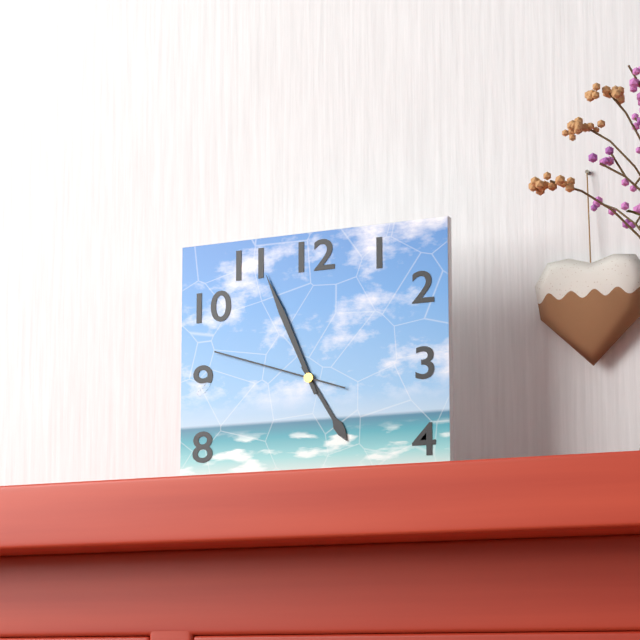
4:56:48
